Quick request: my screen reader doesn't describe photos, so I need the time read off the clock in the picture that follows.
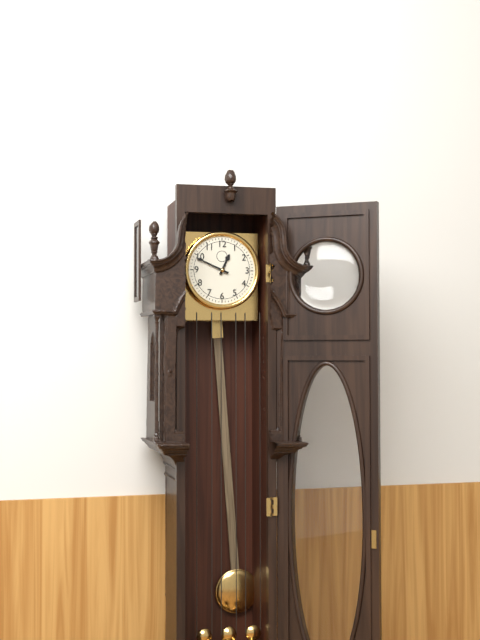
12:49
